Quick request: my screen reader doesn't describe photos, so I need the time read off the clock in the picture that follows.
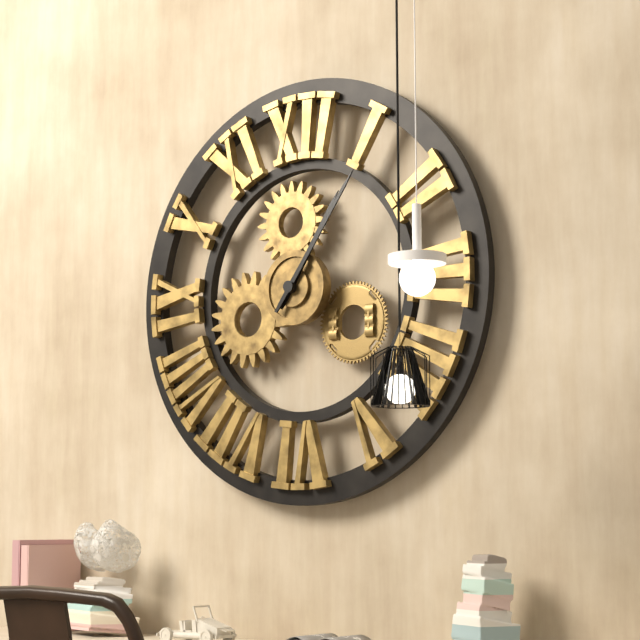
1:06
